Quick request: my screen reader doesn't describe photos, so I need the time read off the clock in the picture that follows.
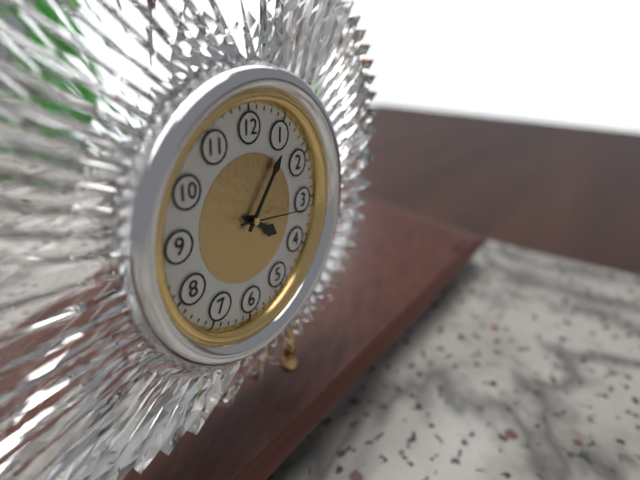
4:06:16
